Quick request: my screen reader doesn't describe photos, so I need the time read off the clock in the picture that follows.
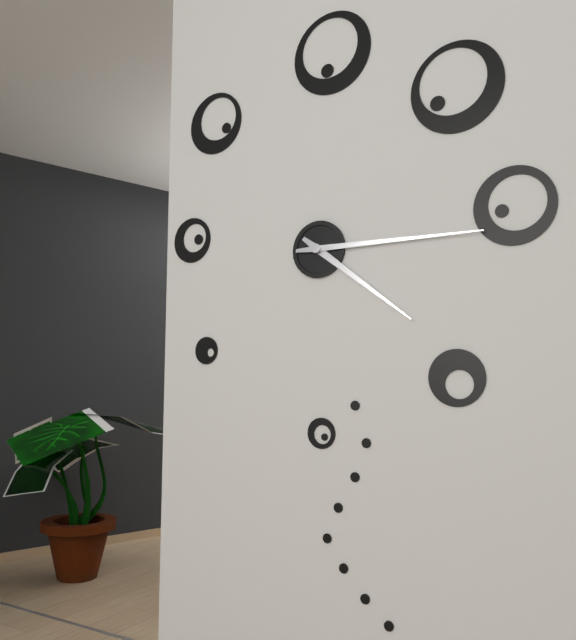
4:15
